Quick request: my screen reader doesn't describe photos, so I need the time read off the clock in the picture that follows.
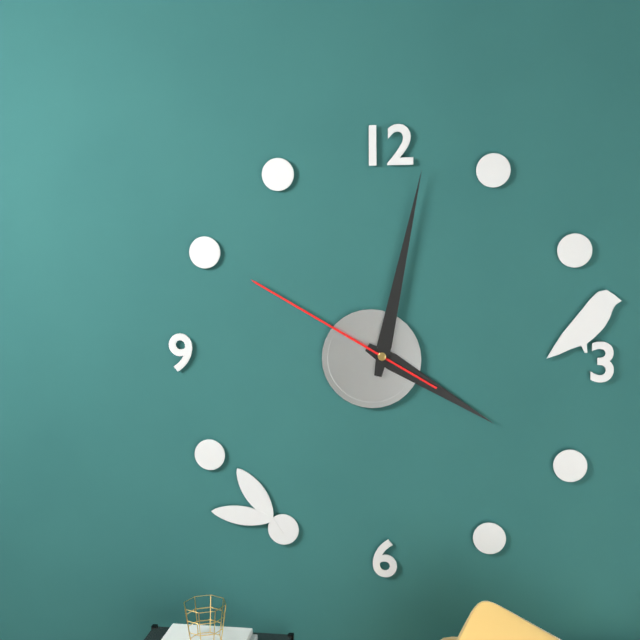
4:02:50
